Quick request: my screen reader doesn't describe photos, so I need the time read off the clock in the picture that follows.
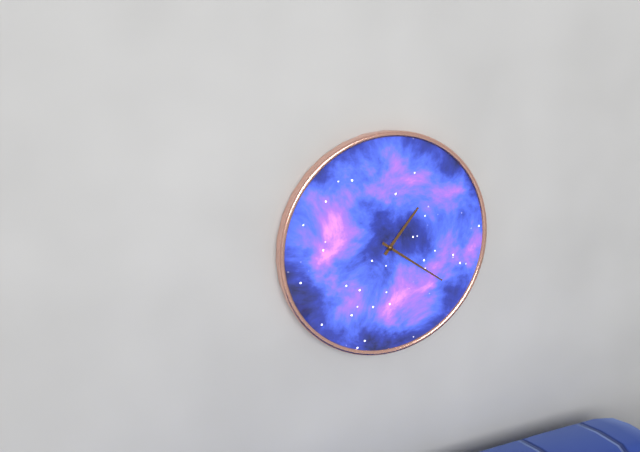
1:21
